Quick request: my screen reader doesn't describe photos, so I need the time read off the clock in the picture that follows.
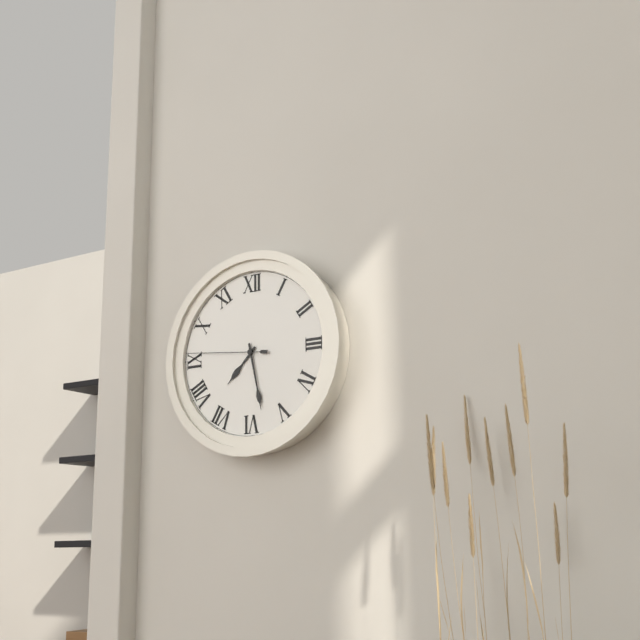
7:28:46
